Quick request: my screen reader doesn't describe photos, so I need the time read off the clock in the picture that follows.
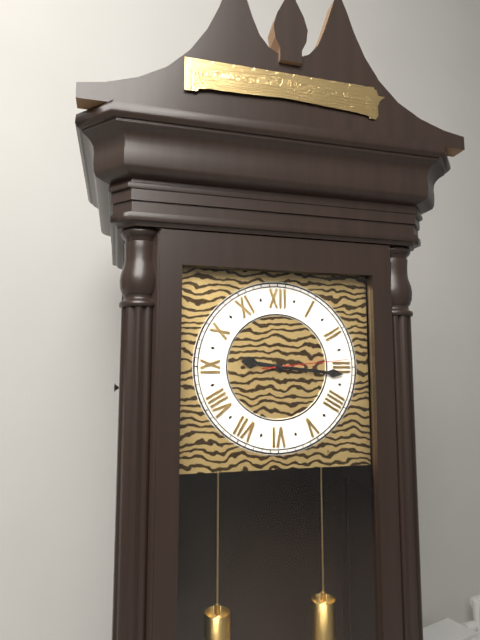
9:16:14
